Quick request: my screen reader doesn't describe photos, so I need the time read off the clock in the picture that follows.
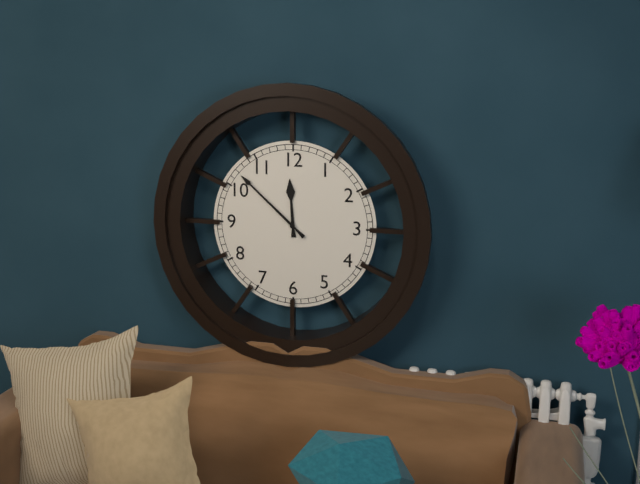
11:52
